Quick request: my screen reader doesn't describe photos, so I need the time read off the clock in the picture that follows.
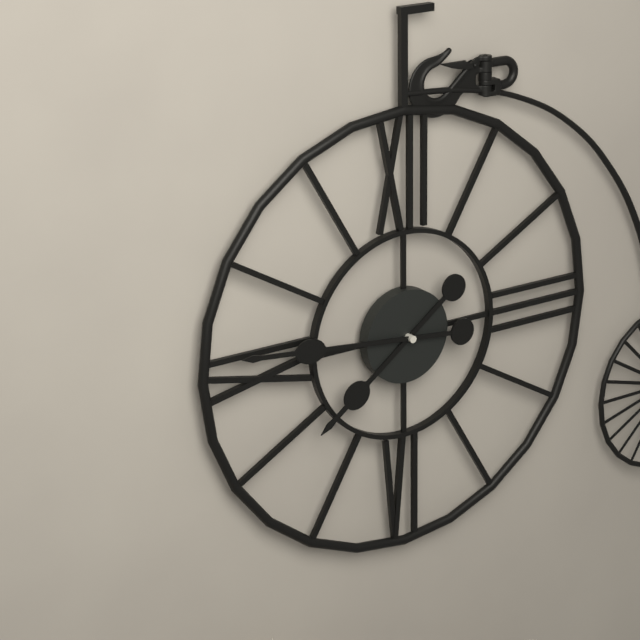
7:46
